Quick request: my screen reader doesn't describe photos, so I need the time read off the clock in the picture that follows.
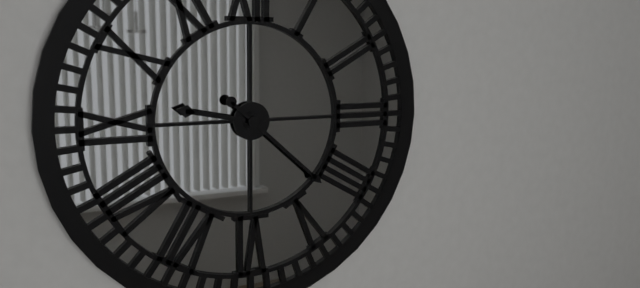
9:22
